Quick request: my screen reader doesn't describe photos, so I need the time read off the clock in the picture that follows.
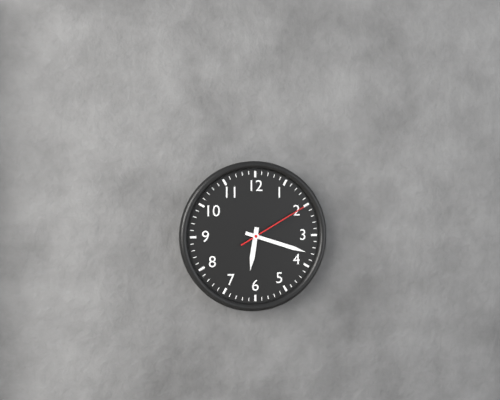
6:18:10
